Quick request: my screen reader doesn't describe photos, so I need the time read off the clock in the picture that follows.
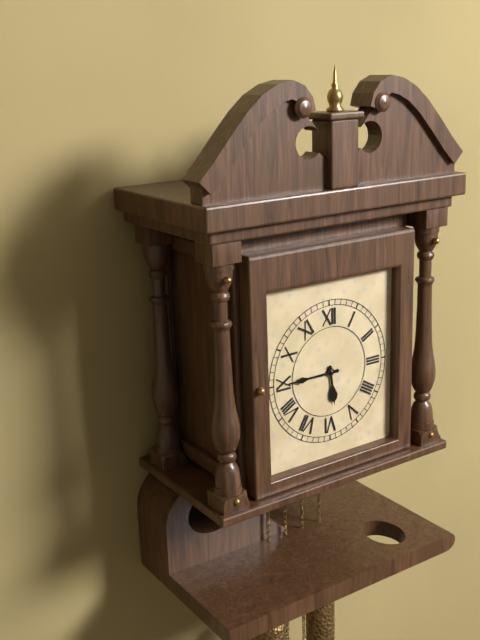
5:45
